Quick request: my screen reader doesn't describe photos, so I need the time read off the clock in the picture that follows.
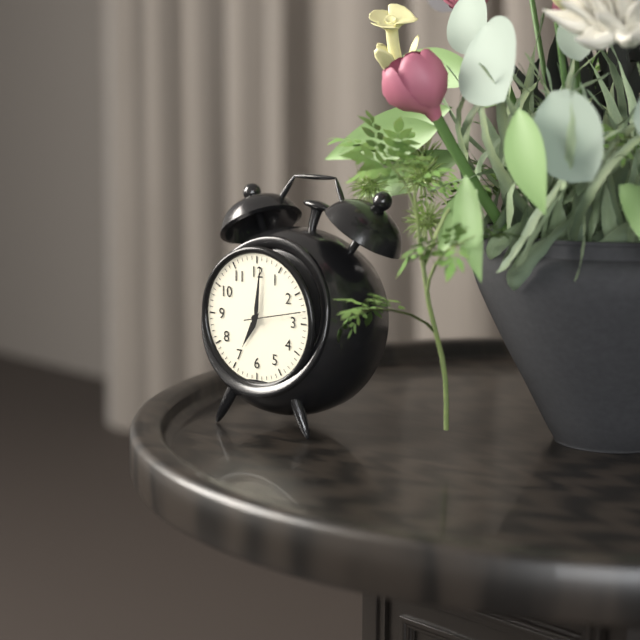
7:01:13
